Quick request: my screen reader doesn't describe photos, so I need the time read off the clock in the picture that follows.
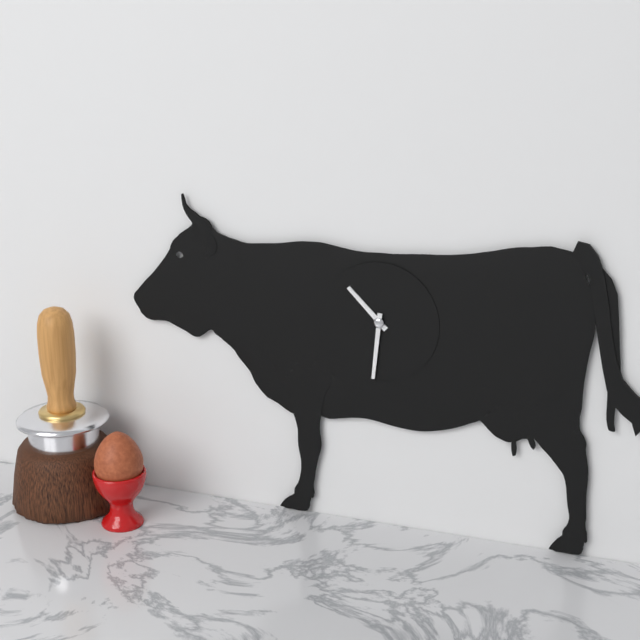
10:31
